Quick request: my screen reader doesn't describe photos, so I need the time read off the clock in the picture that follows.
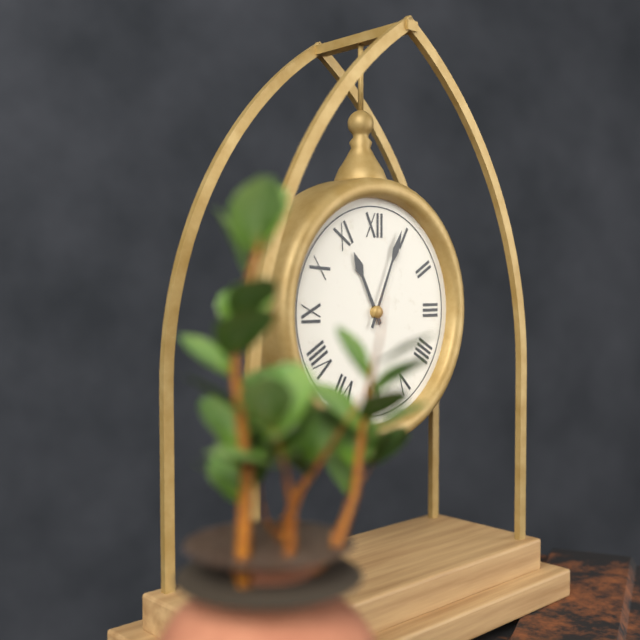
11:04
